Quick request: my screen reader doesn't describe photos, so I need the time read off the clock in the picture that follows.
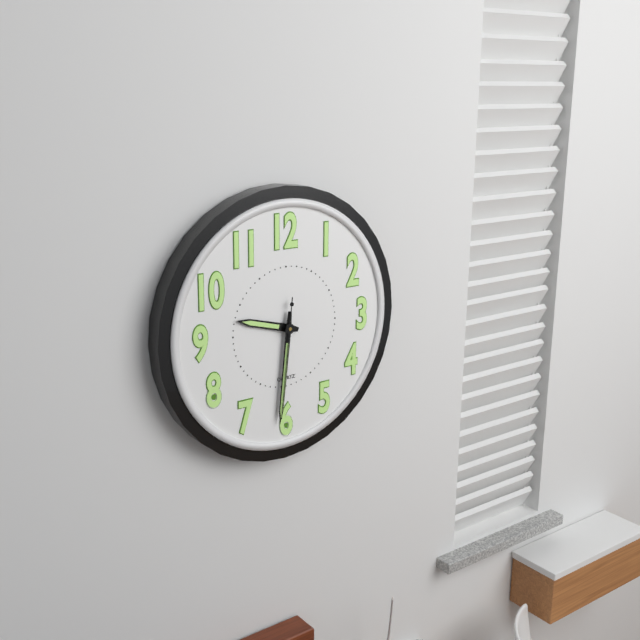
9:31:31
